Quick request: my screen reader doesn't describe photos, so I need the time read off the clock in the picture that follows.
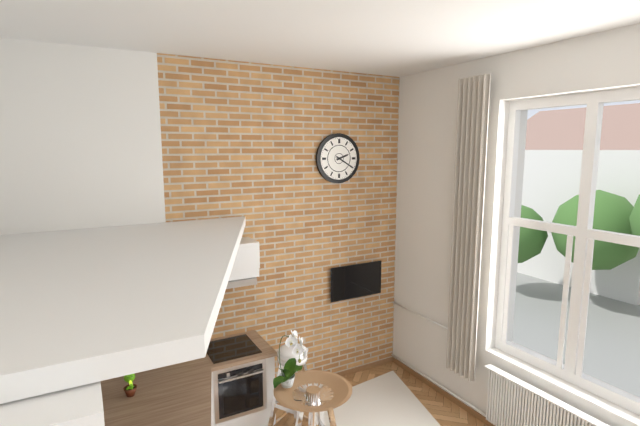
2:20
